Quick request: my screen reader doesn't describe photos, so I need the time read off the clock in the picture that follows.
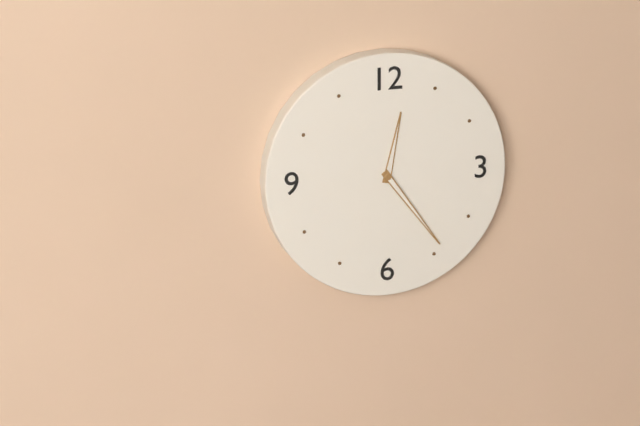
12:24
